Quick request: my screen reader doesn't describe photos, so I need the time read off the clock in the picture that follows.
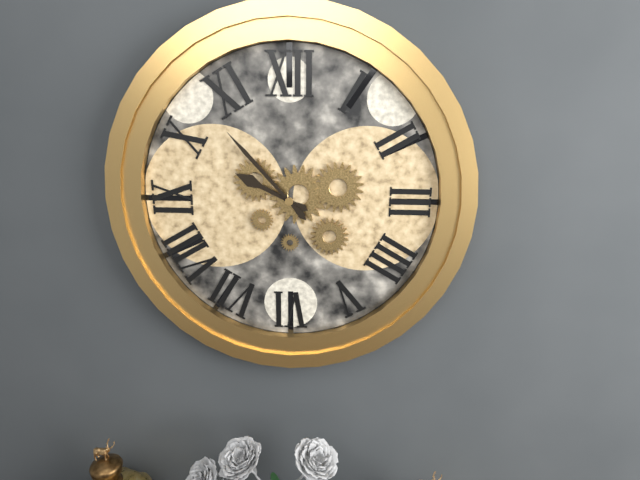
9:53
